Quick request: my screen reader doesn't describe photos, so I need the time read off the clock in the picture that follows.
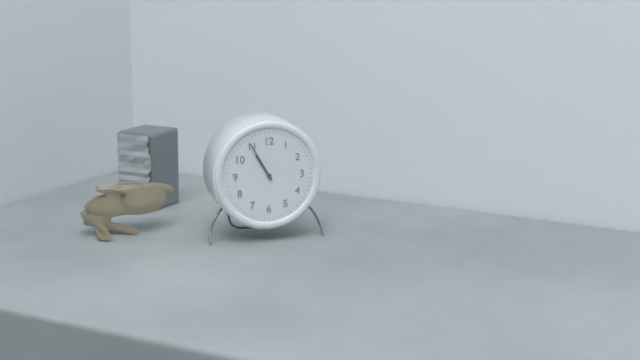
10:55
